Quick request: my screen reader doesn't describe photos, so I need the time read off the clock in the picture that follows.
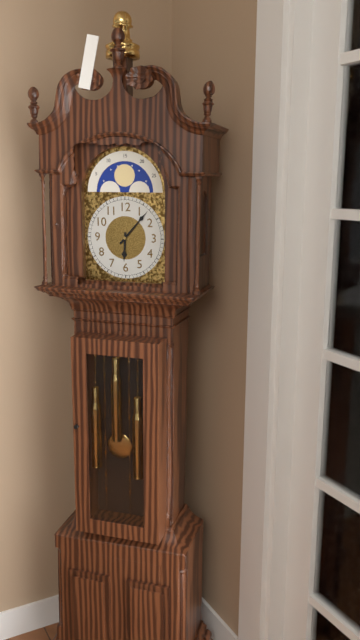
6:07
